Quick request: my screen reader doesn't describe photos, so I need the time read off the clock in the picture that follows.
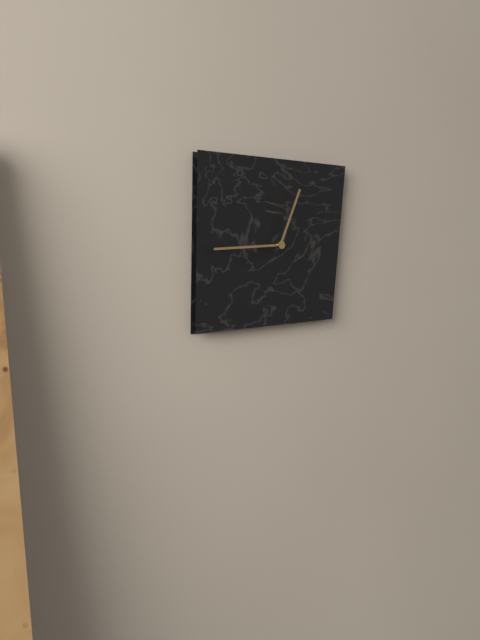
12:44
